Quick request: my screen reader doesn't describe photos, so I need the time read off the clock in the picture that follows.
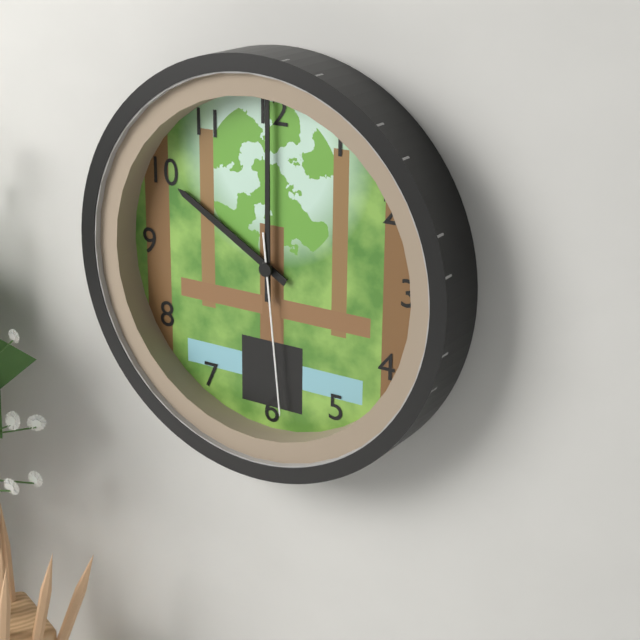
10:00:29
